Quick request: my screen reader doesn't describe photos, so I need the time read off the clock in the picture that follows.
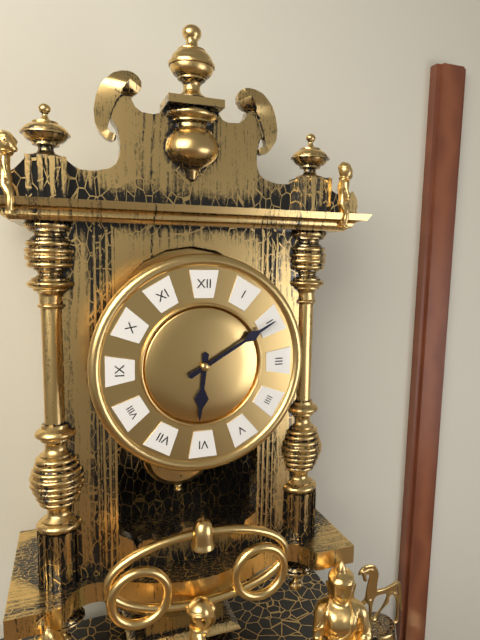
6:10
